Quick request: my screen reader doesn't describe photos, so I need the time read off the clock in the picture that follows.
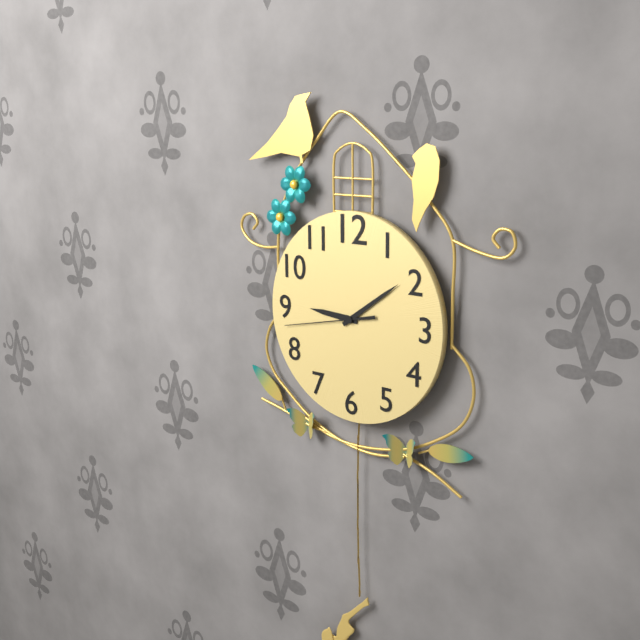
9:09:43
